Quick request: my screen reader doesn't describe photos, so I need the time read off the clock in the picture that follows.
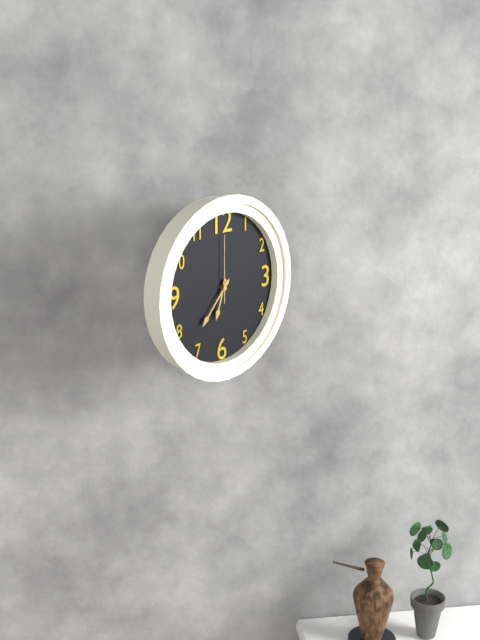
6:37:00
